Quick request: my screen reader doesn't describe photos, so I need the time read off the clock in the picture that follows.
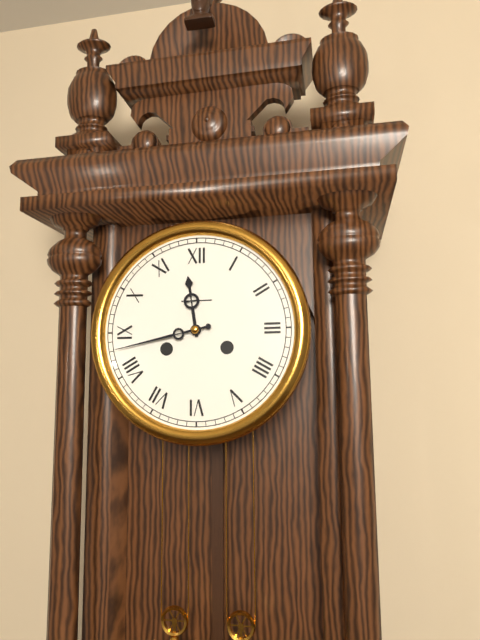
11:43
